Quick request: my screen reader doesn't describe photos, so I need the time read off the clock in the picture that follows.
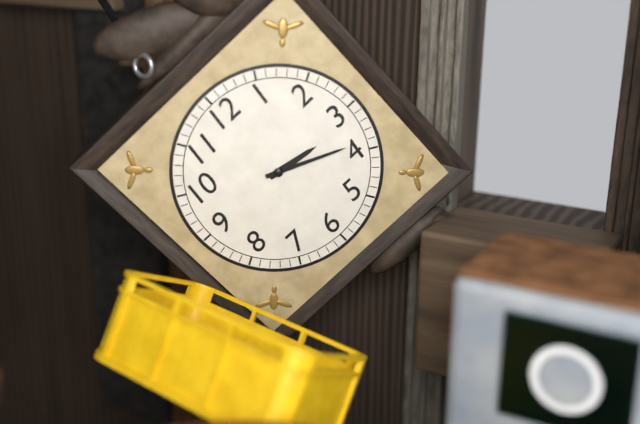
3:19
